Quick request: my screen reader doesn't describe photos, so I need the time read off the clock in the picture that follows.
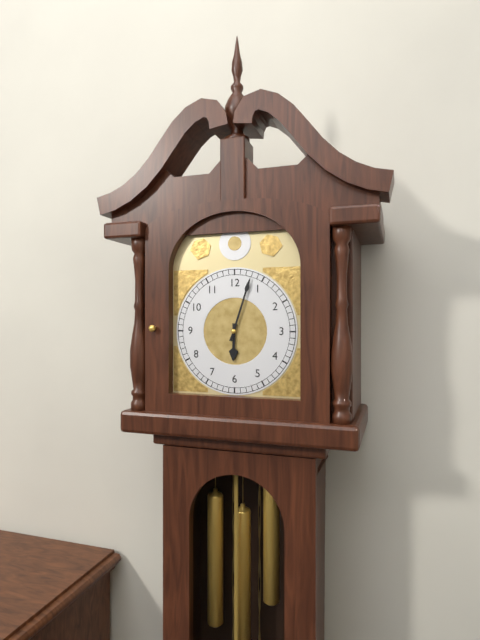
6:03
